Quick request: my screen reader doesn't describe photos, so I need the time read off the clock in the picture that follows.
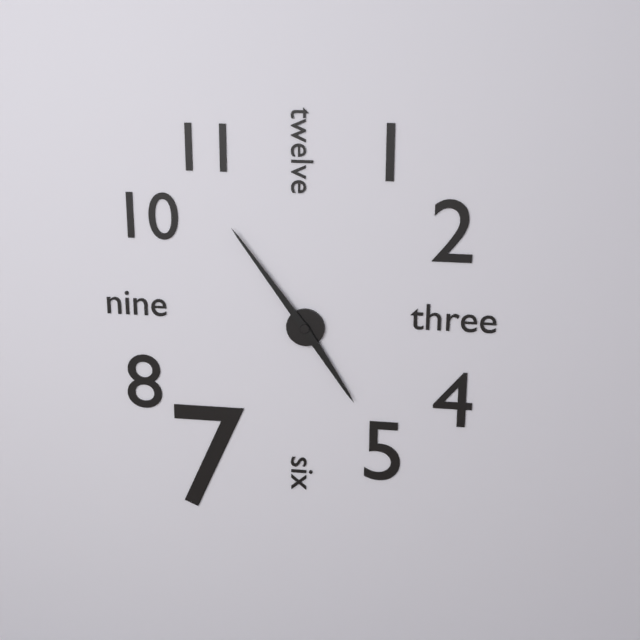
4:54
